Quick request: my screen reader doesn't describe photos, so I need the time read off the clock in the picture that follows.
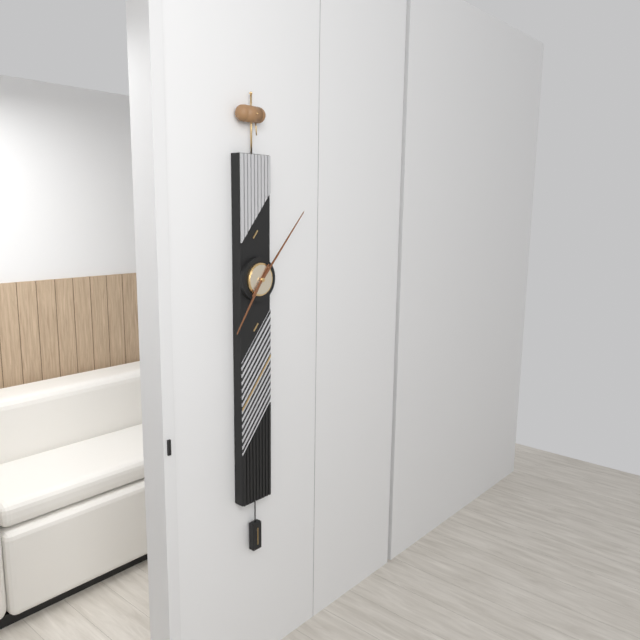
7:07
